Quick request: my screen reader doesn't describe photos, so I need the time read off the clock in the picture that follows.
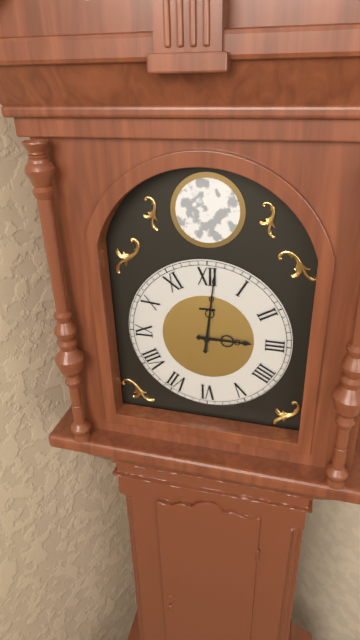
3:01
